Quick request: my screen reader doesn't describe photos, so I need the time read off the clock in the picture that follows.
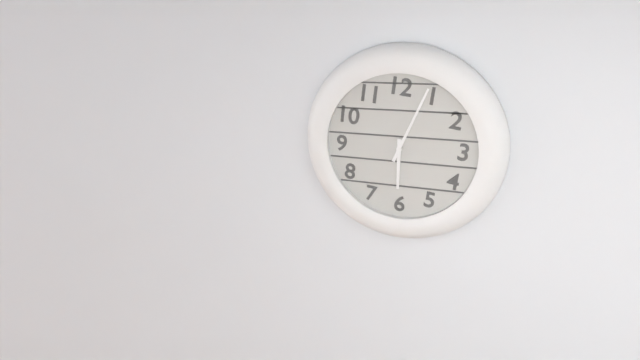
6:04
